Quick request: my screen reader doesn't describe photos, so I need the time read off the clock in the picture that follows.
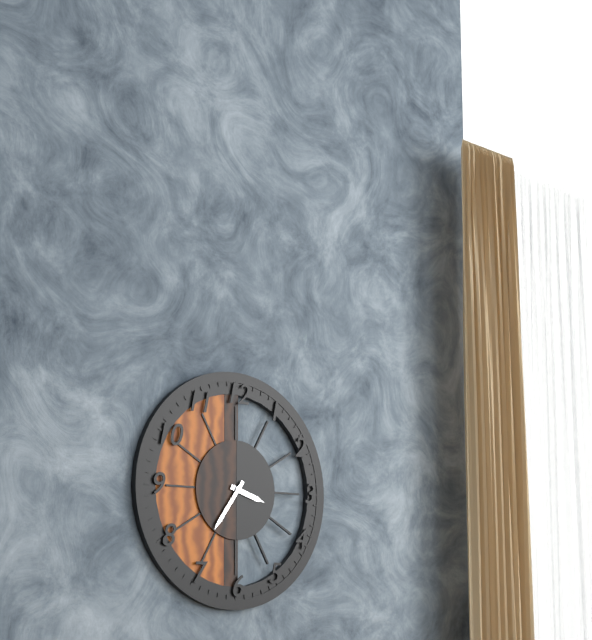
3:36
